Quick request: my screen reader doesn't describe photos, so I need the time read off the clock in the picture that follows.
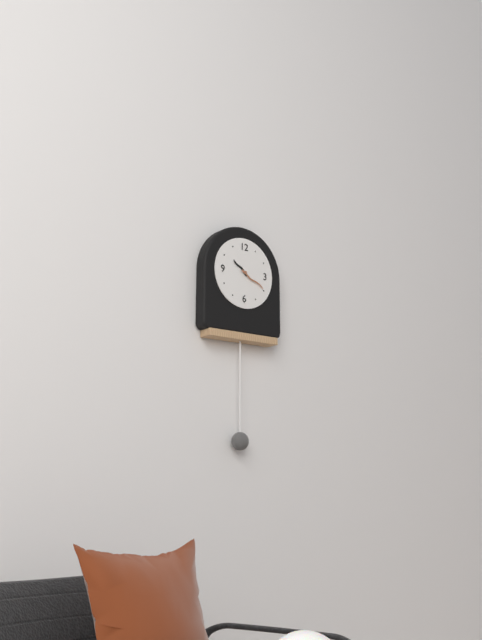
10:20
